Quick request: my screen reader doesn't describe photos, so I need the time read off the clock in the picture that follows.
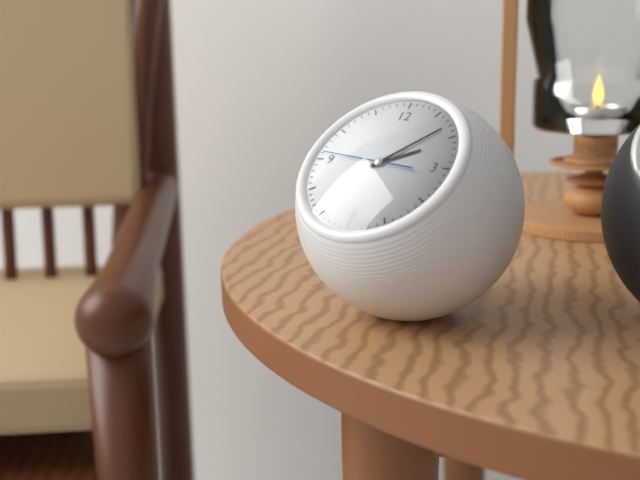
2:08:46
